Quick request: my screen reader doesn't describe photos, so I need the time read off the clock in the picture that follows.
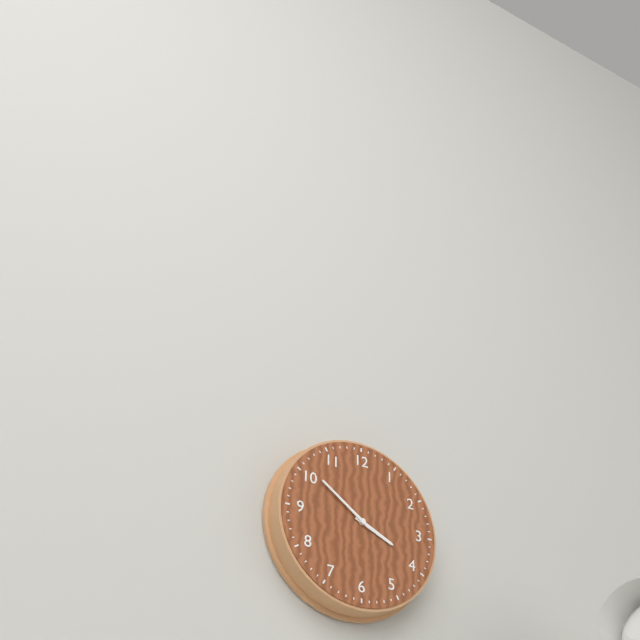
3:51
